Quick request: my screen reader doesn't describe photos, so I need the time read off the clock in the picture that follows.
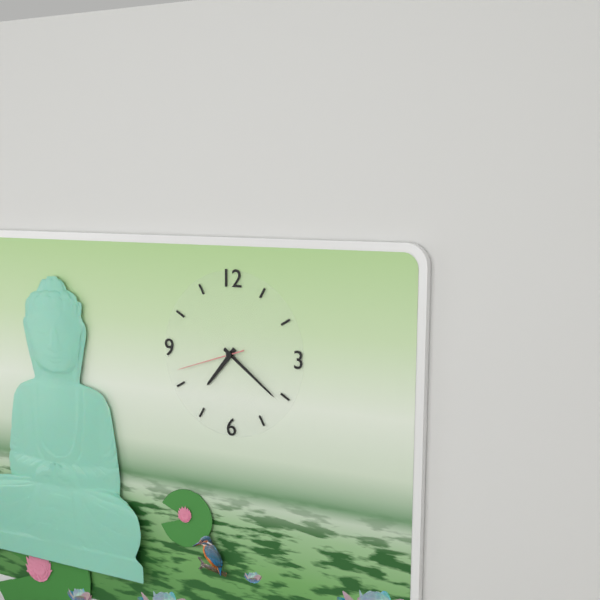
7:21:42
